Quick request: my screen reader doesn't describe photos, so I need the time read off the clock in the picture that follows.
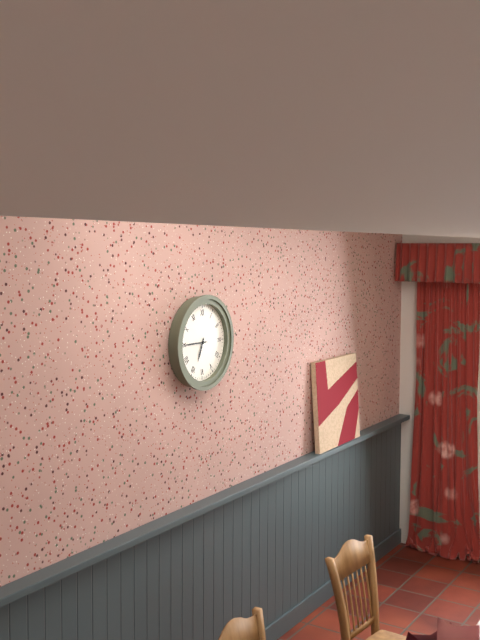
6:45
